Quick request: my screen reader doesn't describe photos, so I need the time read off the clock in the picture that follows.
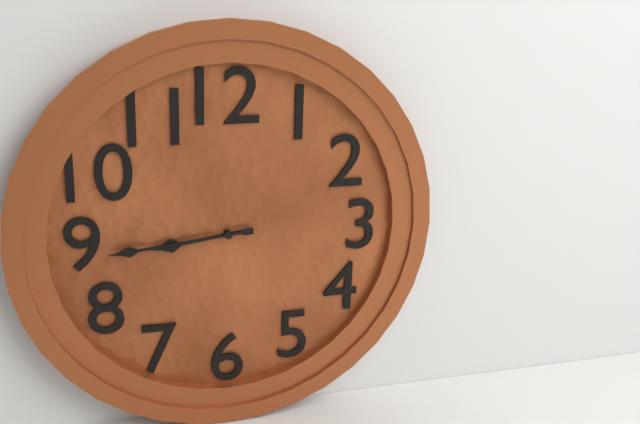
8:44
